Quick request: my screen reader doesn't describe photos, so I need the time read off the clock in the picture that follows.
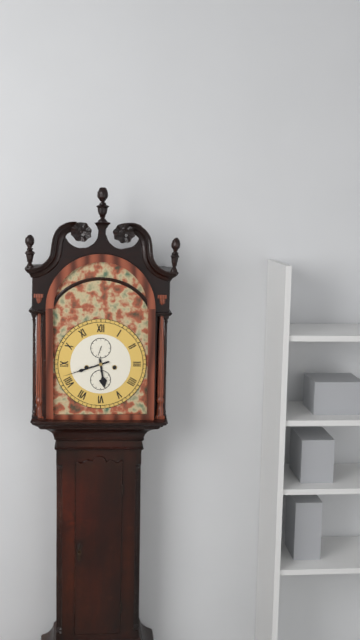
5:42
